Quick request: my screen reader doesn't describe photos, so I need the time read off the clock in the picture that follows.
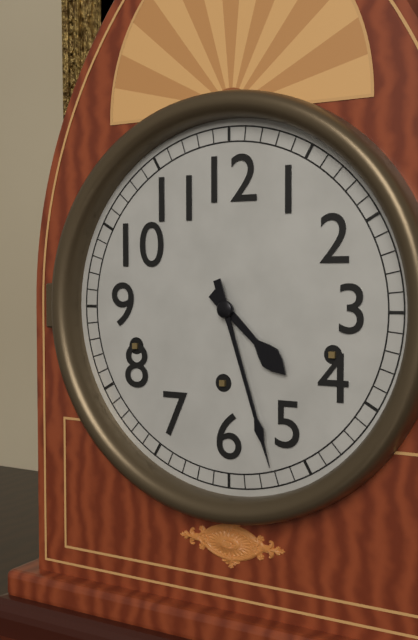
4:27
